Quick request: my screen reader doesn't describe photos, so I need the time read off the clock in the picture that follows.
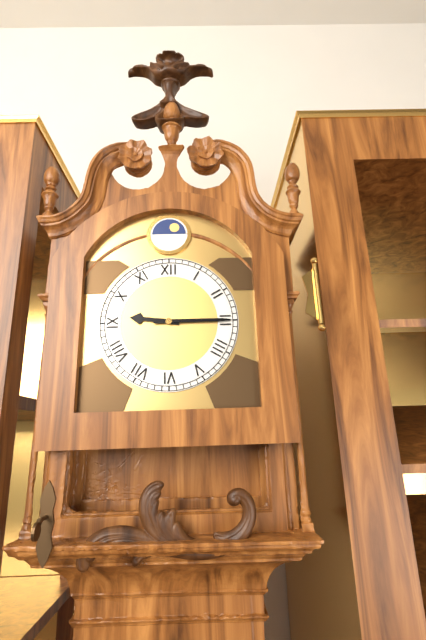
9:15
